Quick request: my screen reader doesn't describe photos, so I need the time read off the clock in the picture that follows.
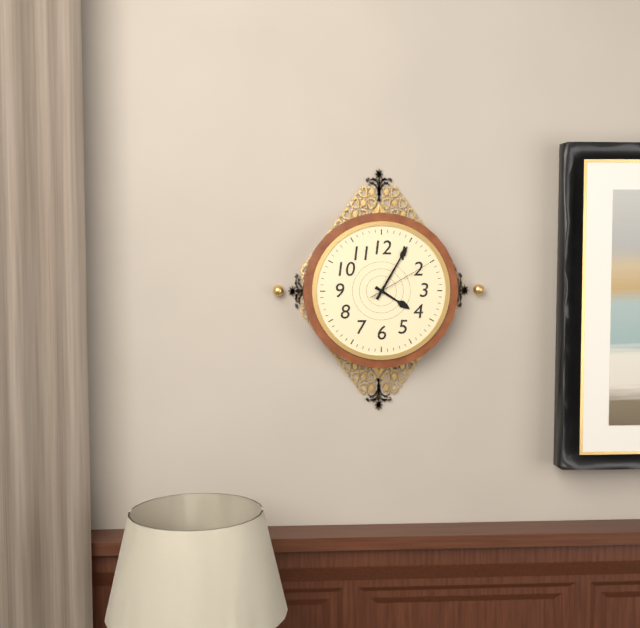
4:05:10
